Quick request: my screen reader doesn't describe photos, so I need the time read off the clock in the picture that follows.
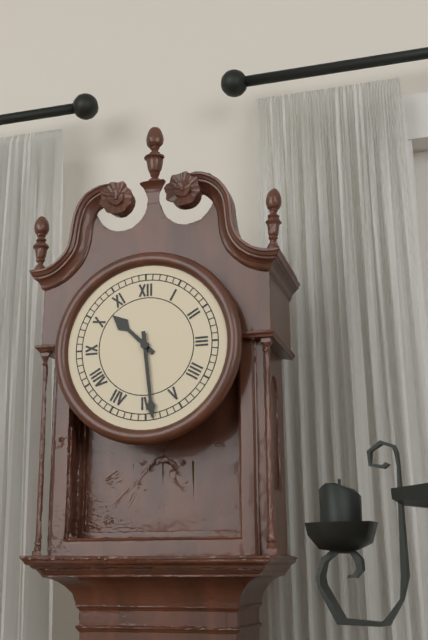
10:29
